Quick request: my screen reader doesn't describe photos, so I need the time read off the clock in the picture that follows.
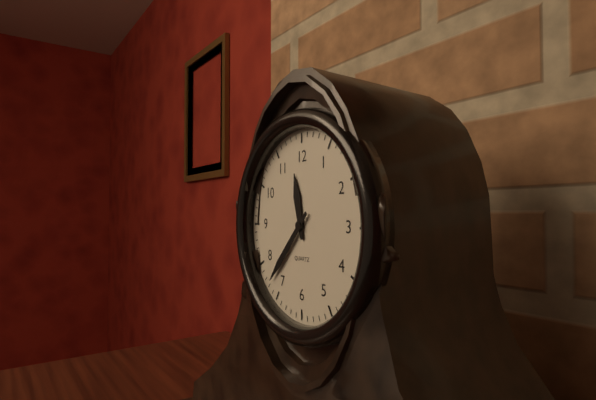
11:37
